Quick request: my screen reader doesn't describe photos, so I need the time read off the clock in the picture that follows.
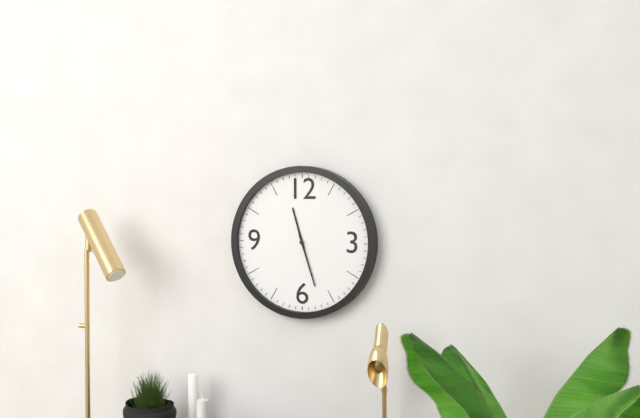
11:27
